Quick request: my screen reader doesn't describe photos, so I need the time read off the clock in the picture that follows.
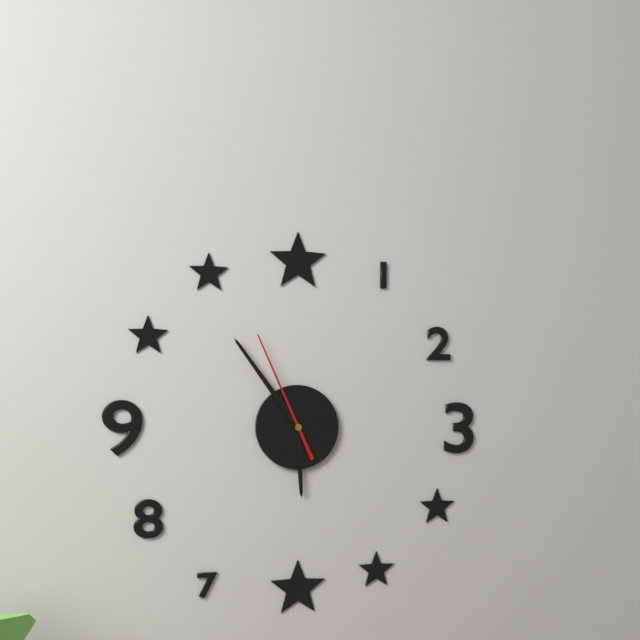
5:54:56
